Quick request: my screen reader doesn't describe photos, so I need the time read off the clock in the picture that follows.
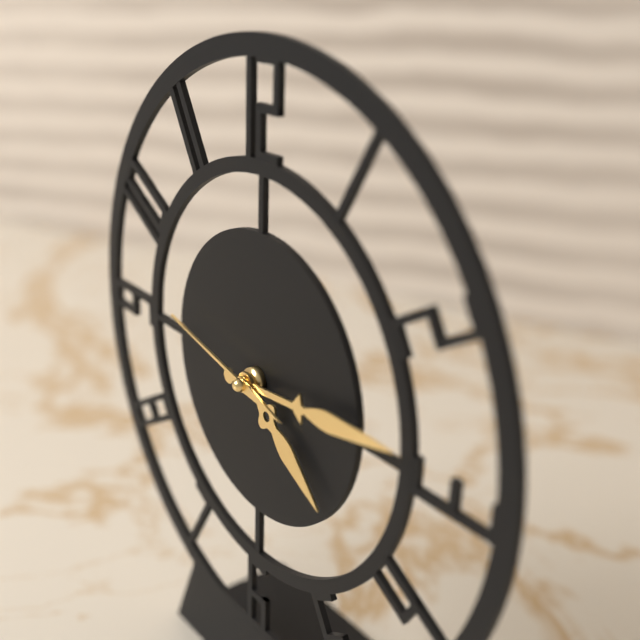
4:14:47
